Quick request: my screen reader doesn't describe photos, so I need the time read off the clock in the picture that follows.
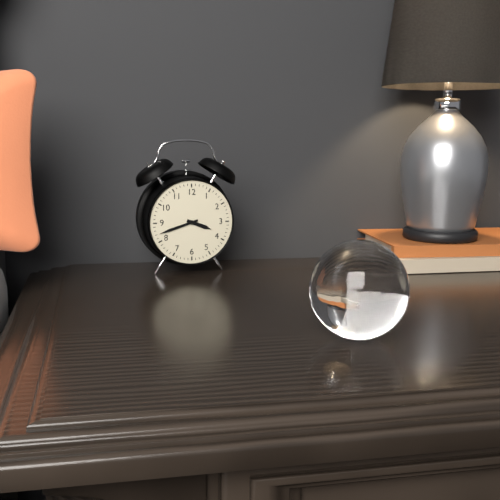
3:42
